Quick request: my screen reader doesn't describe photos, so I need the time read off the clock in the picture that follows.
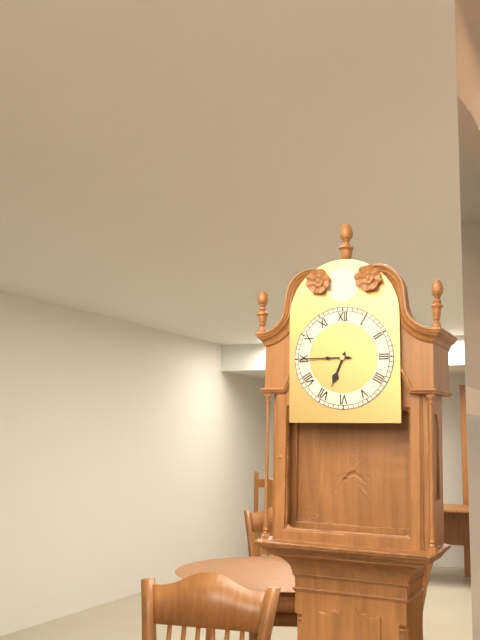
6:45
